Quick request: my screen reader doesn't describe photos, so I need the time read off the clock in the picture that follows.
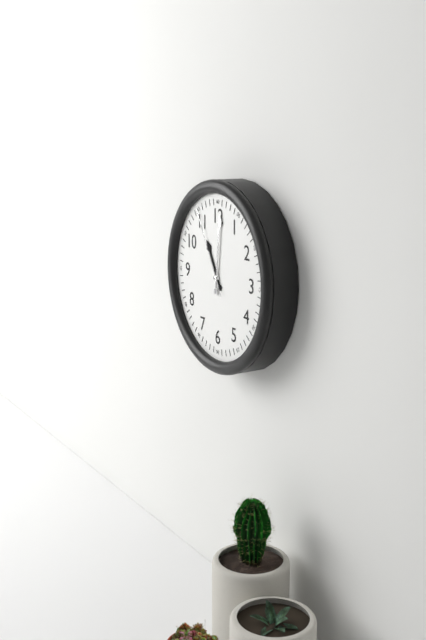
11:01:55
